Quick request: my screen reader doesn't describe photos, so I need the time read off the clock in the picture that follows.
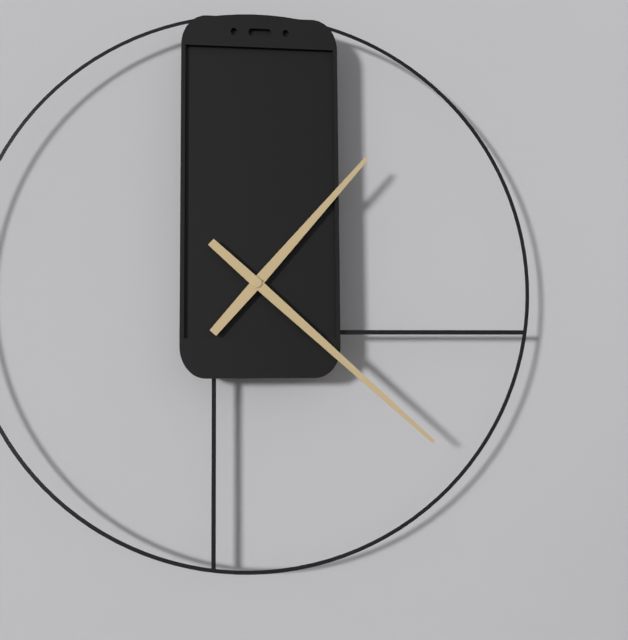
1:22
